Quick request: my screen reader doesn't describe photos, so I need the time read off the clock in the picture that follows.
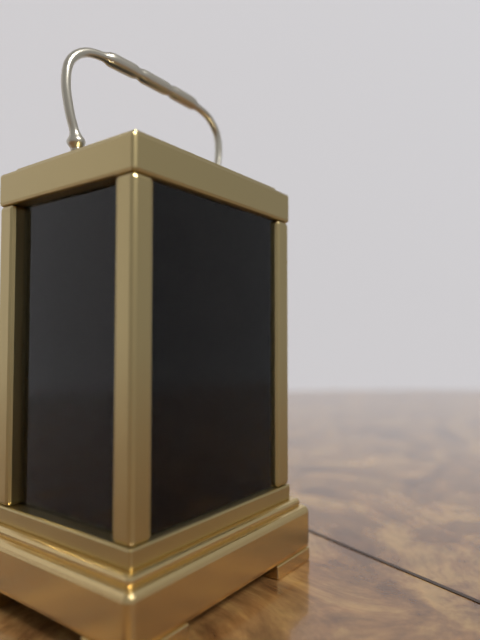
2:09
